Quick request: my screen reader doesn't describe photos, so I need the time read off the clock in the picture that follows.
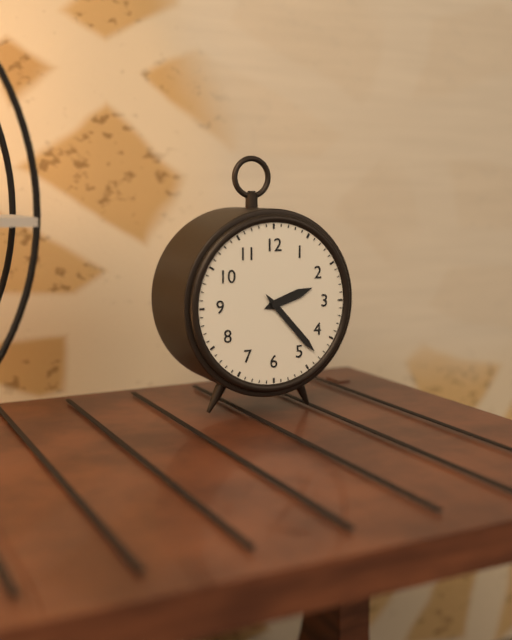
2:23
